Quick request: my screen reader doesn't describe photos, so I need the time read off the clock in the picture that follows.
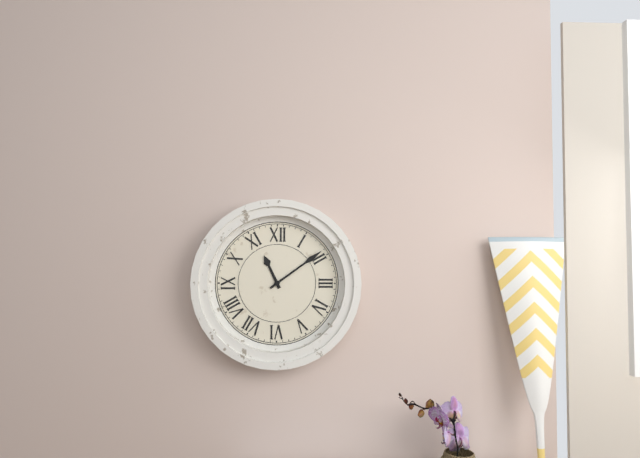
11:09
